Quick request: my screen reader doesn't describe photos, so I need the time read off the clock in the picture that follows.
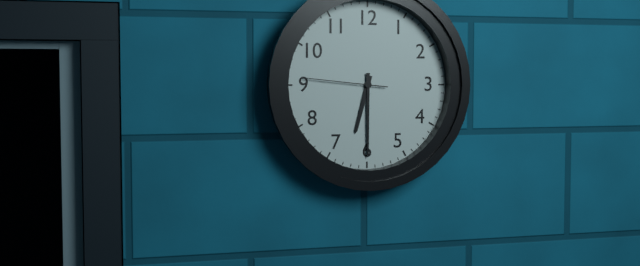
6:30:46
